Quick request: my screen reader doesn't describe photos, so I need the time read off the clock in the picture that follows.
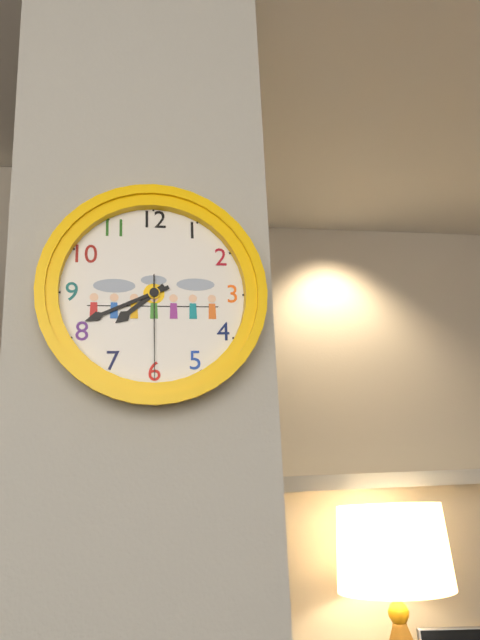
7:41:30
